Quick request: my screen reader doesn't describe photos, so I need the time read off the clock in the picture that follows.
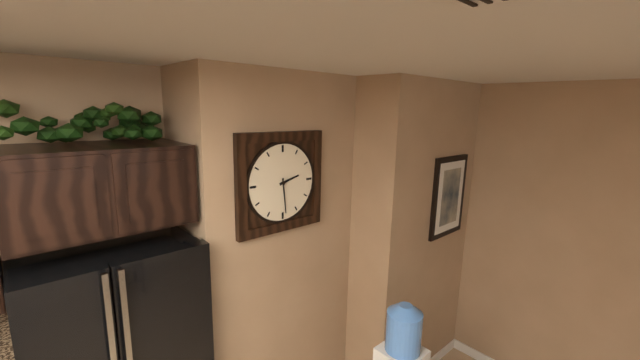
2:29
